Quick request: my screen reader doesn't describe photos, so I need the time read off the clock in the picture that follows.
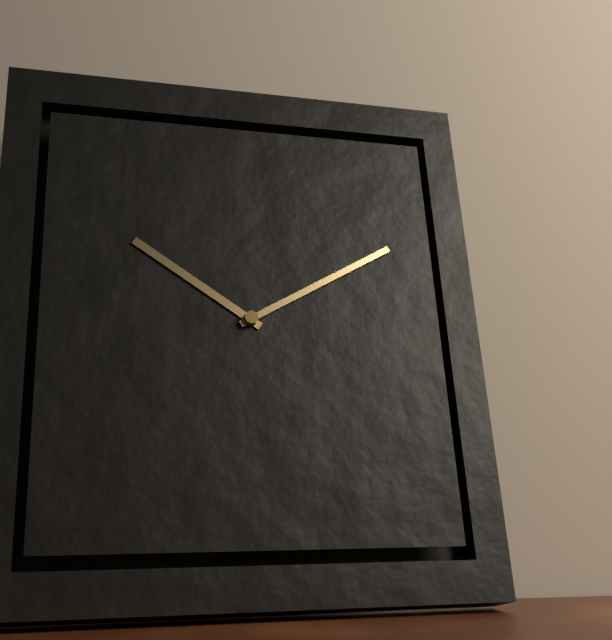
10:10
